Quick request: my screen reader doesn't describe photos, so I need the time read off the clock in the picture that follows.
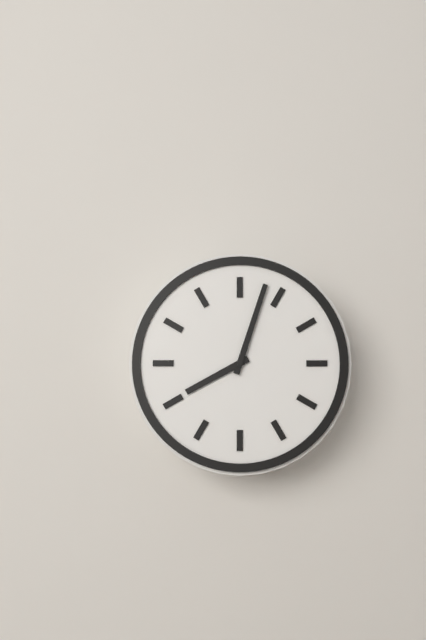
8:03
